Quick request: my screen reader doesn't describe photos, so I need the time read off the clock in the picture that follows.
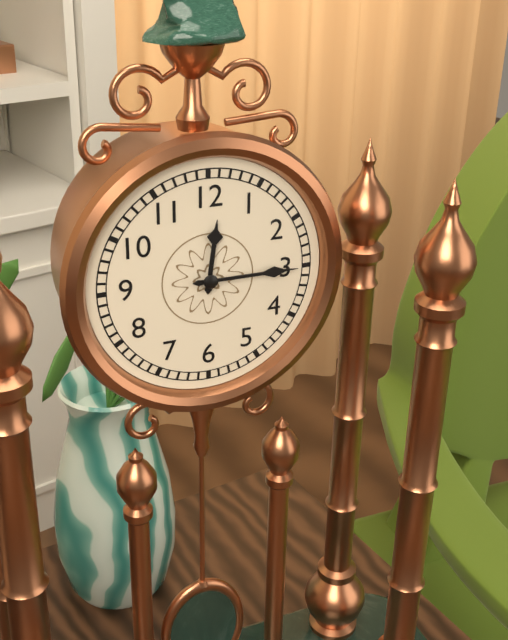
12:15
